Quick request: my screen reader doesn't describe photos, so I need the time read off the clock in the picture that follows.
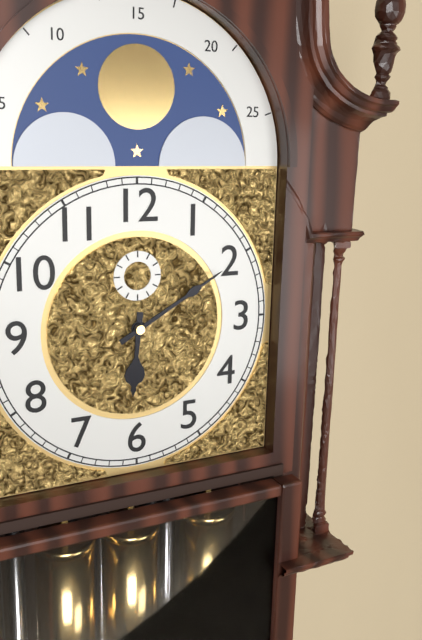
6:10
